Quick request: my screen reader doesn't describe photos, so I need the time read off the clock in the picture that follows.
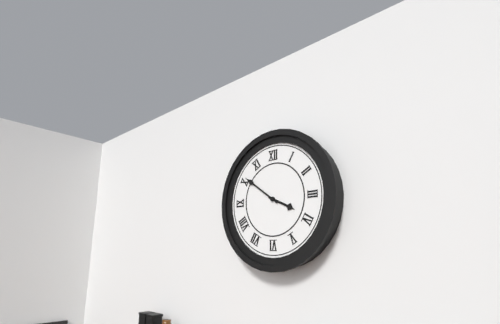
3:51
